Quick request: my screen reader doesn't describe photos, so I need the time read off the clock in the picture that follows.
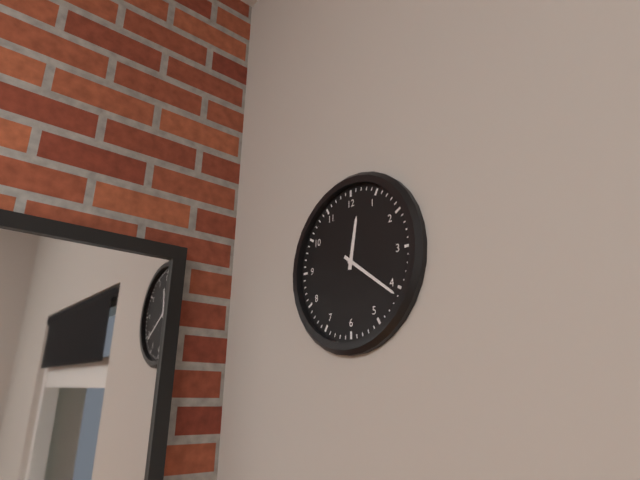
12:21
